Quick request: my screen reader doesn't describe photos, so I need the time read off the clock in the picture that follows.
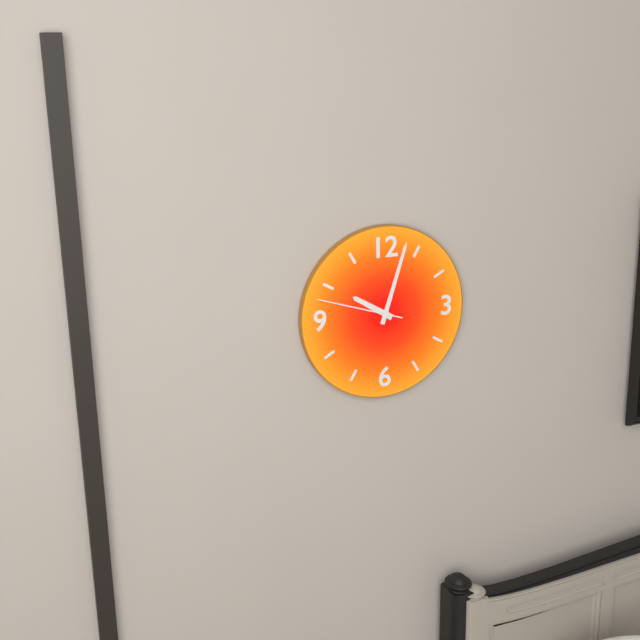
10:03:48
